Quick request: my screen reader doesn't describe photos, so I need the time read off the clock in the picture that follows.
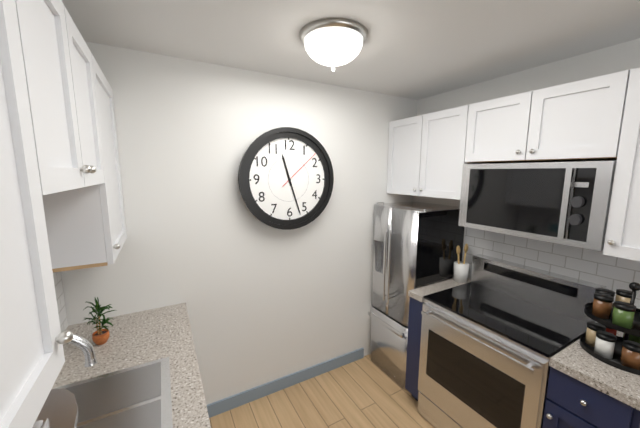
11:27
